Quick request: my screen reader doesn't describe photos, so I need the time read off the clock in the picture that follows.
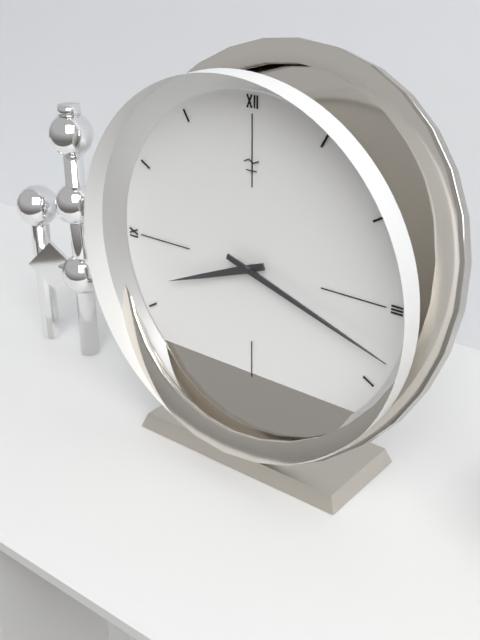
8:18
